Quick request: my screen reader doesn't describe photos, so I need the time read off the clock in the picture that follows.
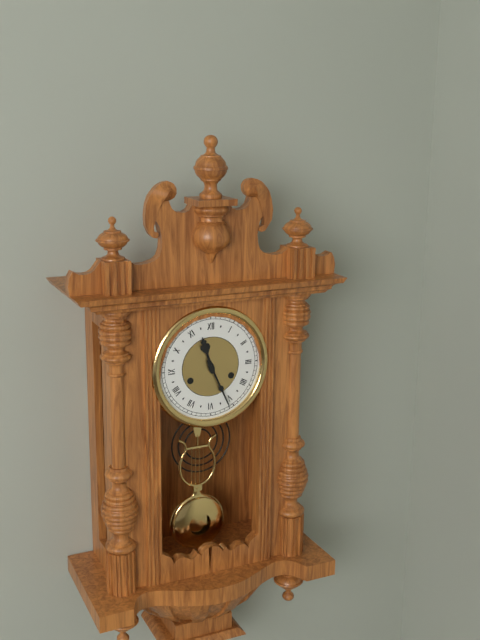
11:26
